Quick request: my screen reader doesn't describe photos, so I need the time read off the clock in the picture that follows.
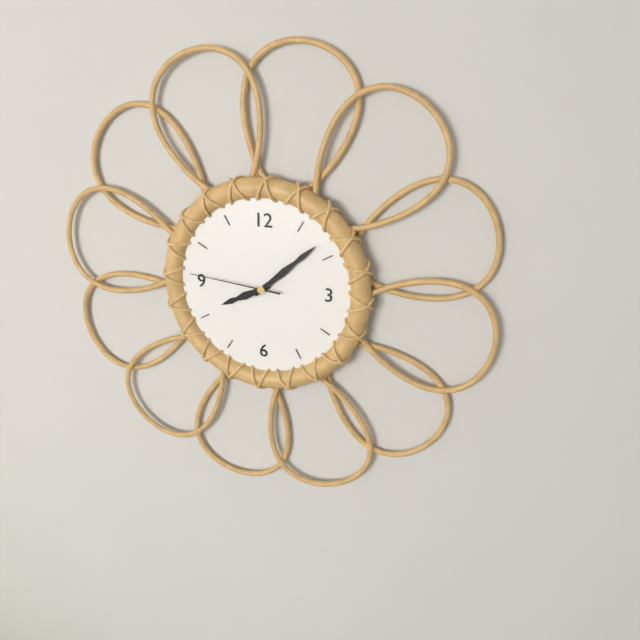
8:08:46
